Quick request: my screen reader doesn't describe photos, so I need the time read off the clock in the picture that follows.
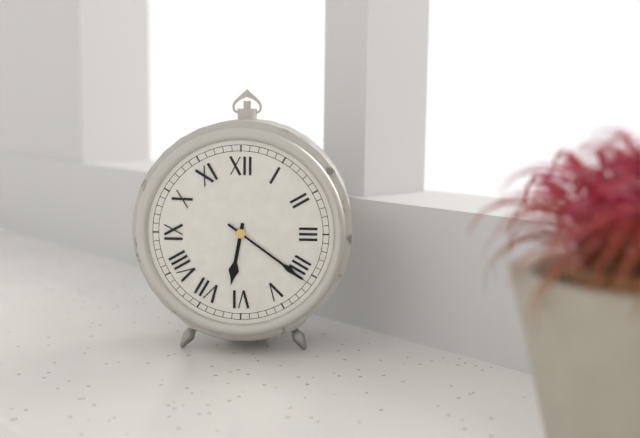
6:21
